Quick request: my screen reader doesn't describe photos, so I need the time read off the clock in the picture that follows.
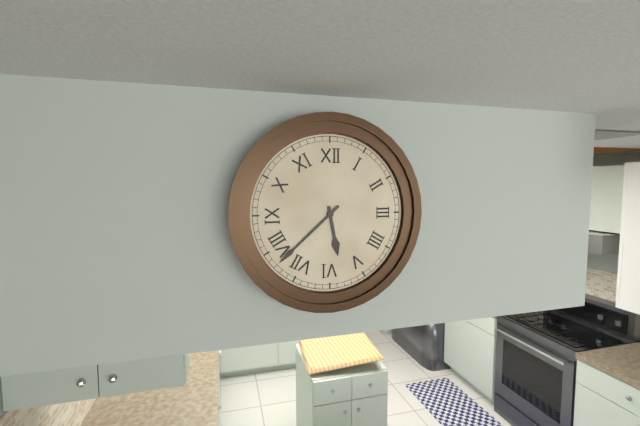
5:38
